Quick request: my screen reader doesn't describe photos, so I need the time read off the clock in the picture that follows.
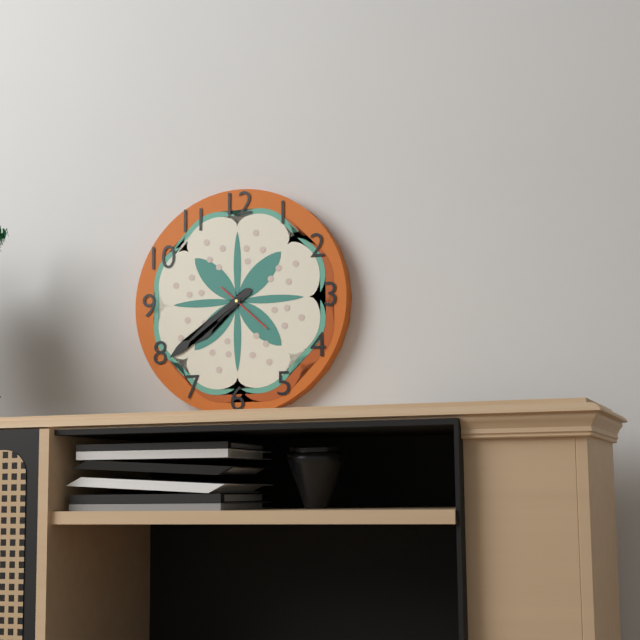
7:39:22
